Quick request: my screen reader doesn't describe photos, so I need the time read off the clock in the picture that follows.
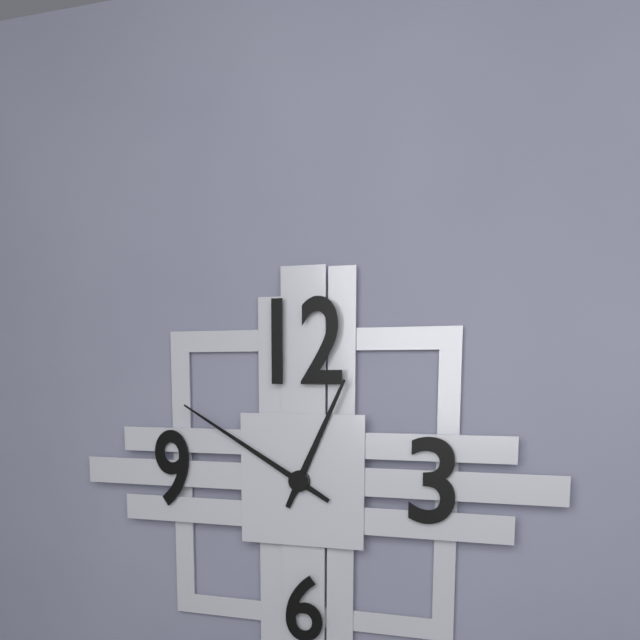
12:50
